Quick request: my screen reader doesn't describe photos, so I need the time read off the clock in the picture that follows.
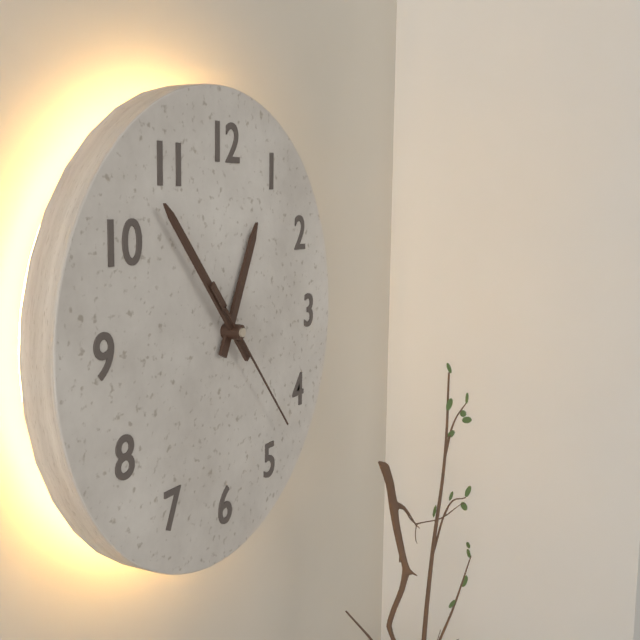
12:53:23
